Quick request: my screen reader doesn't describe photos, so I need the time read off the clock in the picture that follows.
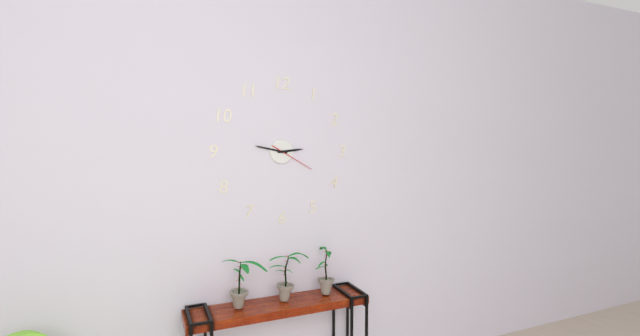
2:47
